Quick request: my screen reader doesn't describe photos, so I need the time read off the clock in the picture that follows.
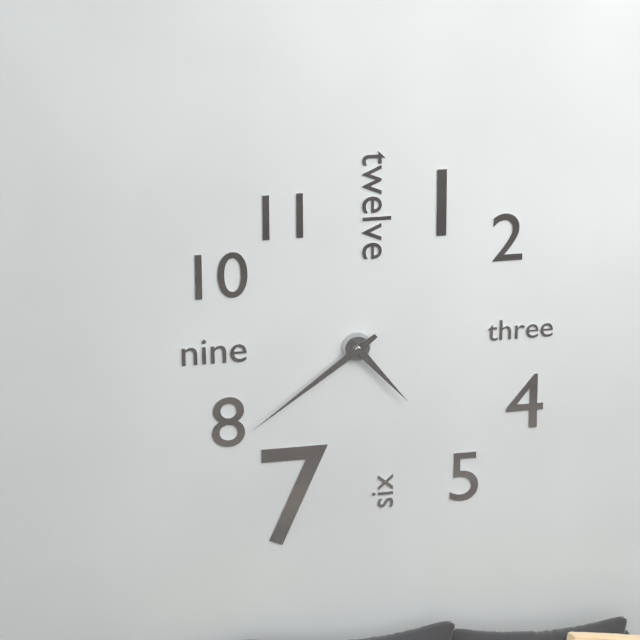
4:39
